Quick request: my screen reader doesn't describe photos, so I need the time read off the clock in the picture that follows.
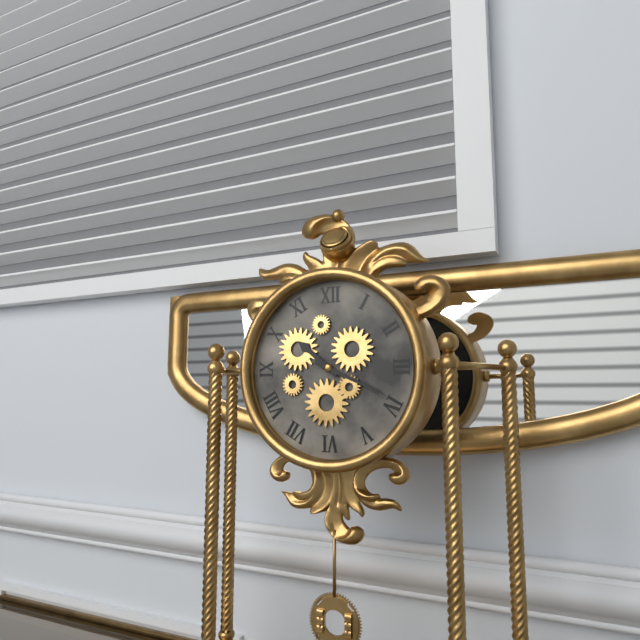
10:19
